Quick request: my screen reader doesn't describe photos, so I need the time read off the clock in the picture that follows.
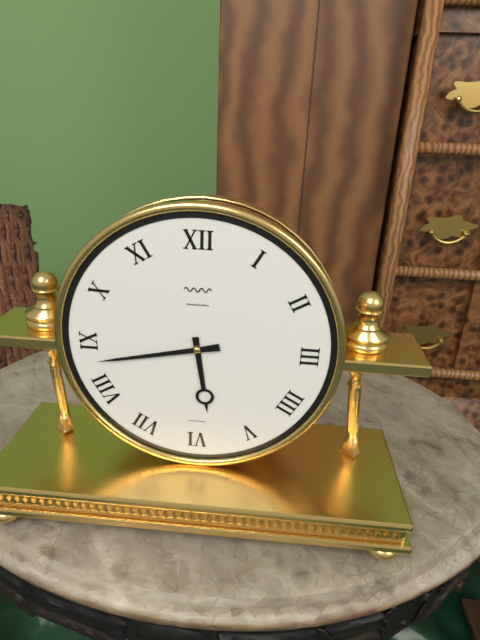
5:43
